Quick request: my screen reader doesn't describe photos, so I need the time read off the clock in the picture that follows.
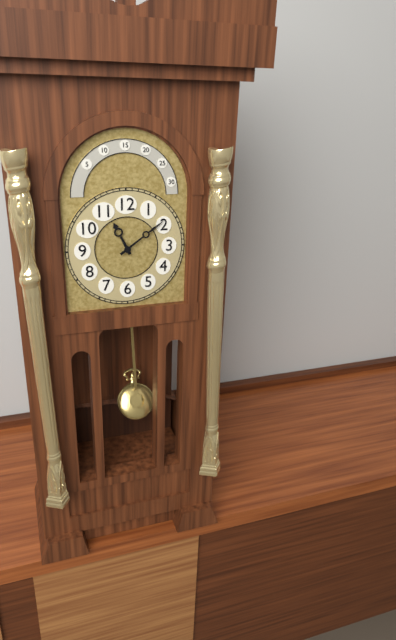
11:09
